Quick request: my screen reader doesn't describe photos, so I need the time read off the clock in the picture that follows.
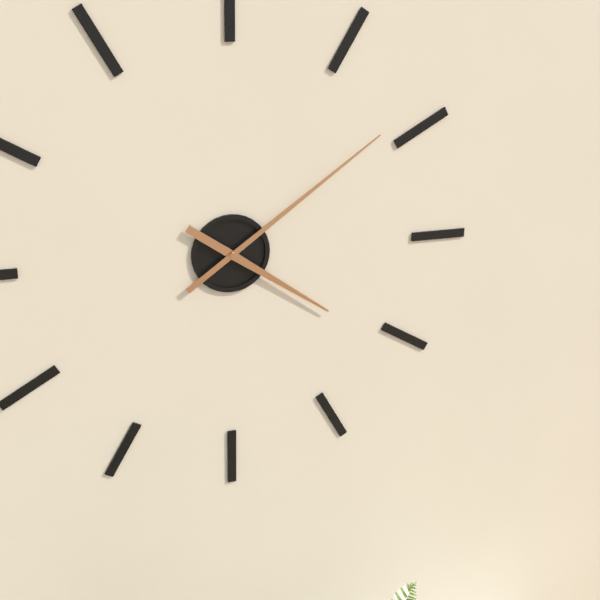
4:09
